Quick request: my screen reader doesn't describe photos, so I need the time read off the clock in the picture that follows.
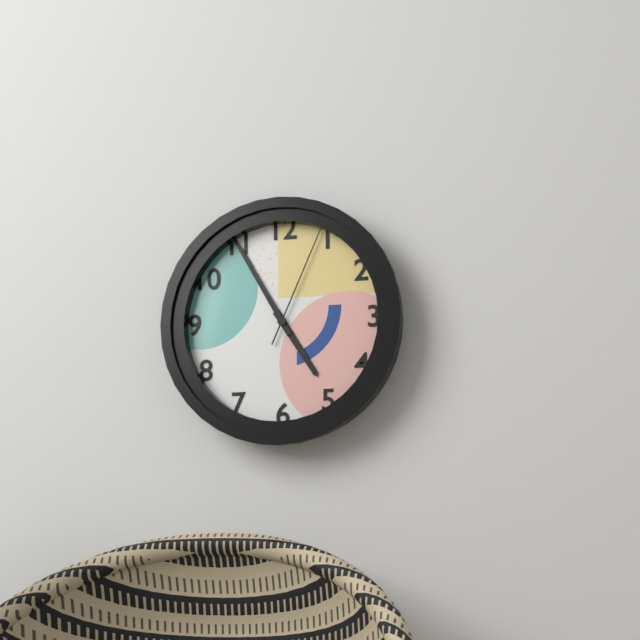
4:55:04
